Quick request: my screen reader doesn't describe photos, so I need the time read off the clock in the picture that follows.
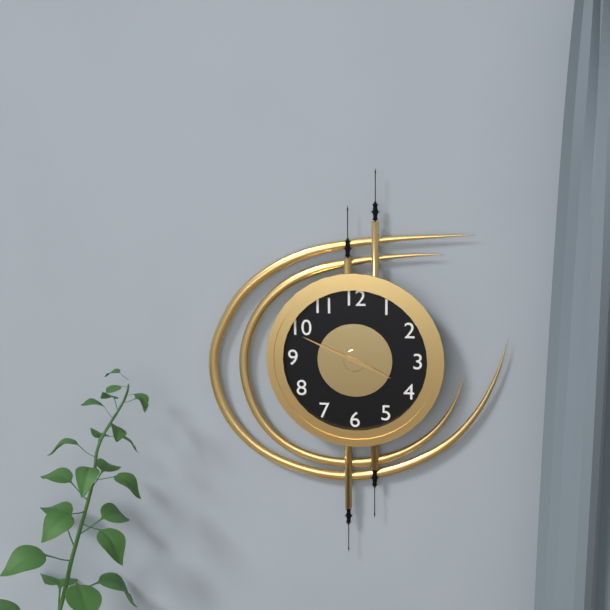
3:49
